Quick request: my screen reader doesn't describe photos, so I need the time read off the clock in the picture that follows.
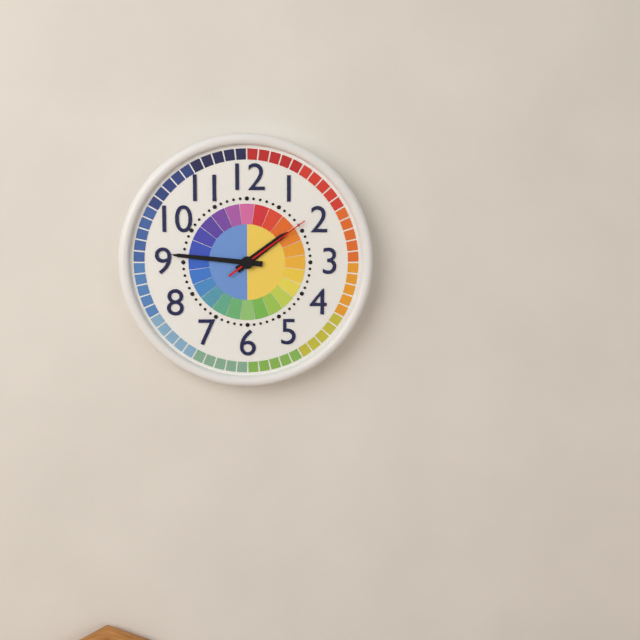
1:46:09
